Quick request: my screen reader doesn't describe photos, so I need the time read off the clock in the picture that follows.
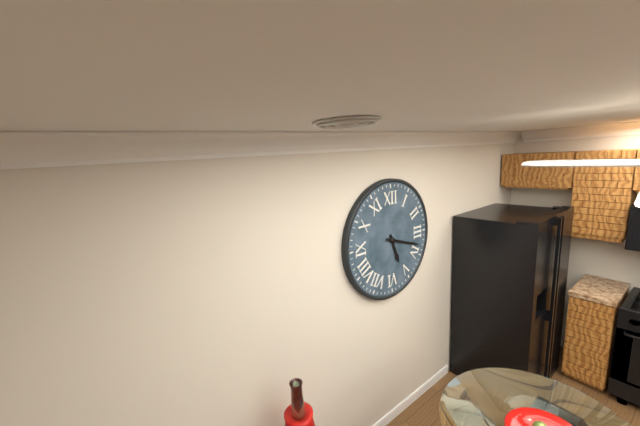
5:18
